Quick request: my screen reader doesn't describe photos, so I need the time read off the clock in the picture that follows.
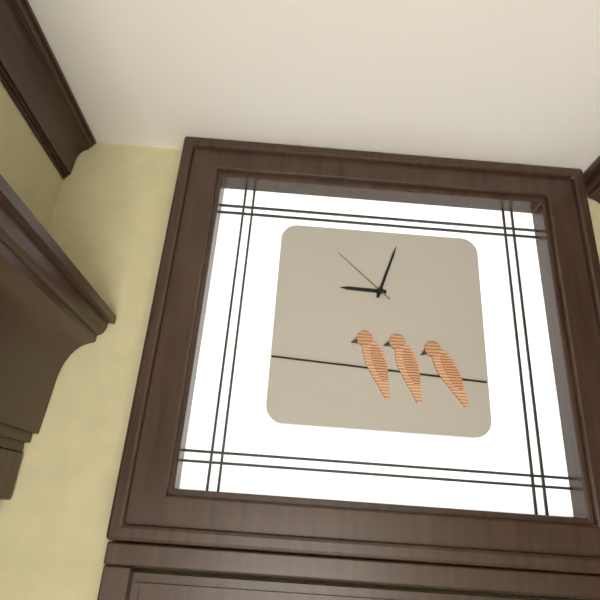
9:03:52
